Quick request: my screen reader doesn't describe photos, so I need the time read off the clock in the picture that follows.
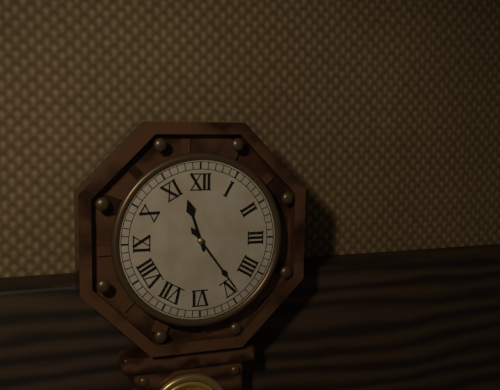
11:24
